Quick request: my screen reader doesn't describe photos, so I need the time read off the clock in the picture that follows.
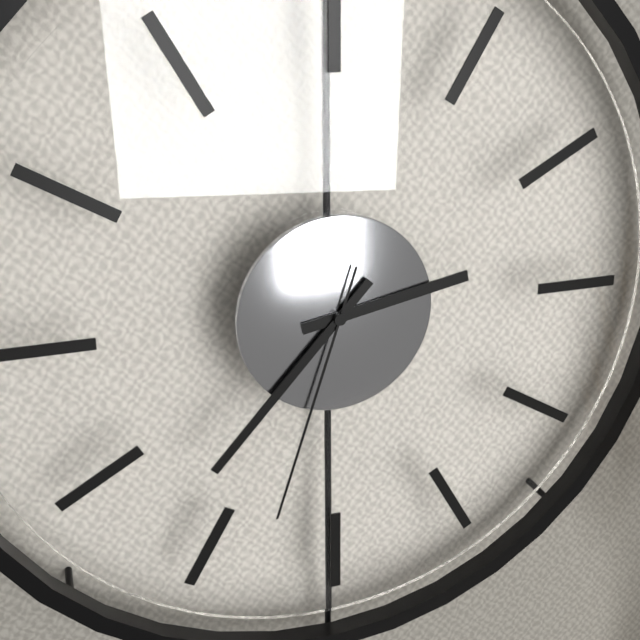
2:37:33
